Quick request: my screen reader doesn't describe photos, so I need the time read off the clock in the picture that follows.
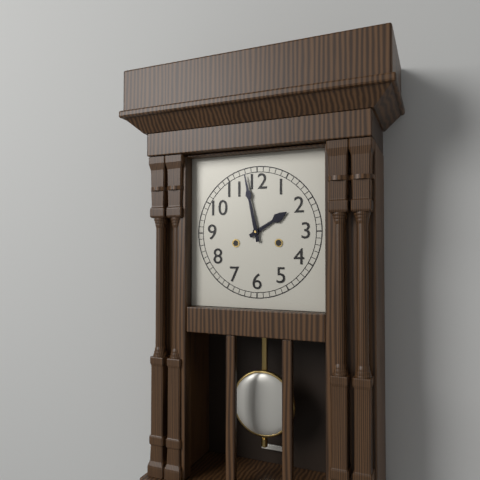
1:58
